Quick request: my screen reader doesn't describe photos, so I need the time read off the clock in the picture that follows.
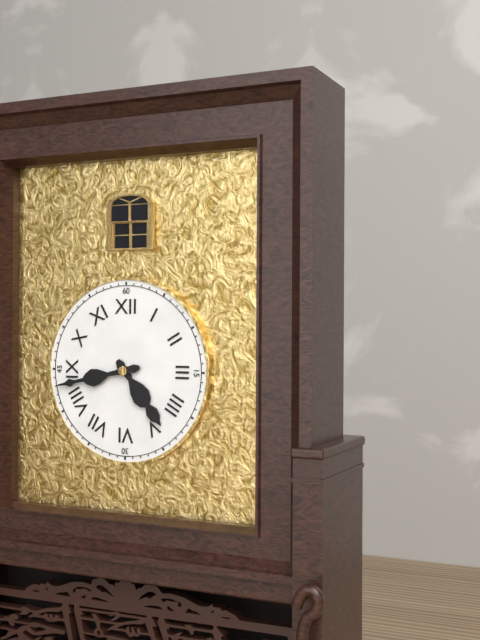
4:43
